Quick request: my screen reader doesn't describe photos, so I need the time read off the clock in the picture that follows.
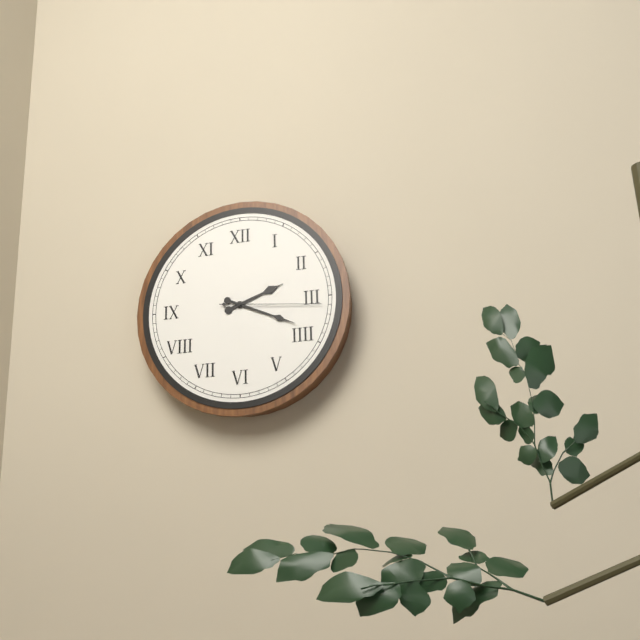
2:19:16
